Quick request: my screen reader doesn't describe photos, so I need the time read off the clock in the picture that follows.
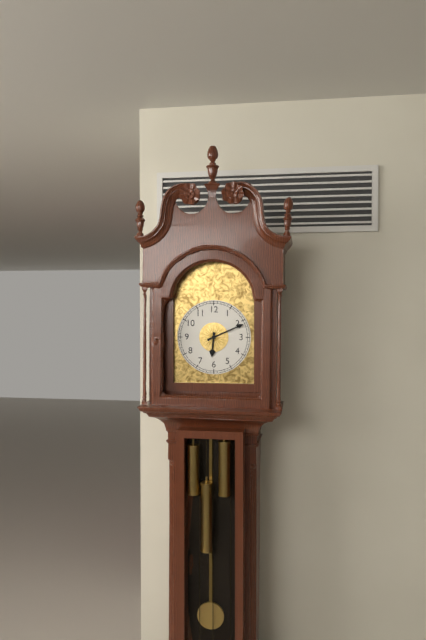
6:11
